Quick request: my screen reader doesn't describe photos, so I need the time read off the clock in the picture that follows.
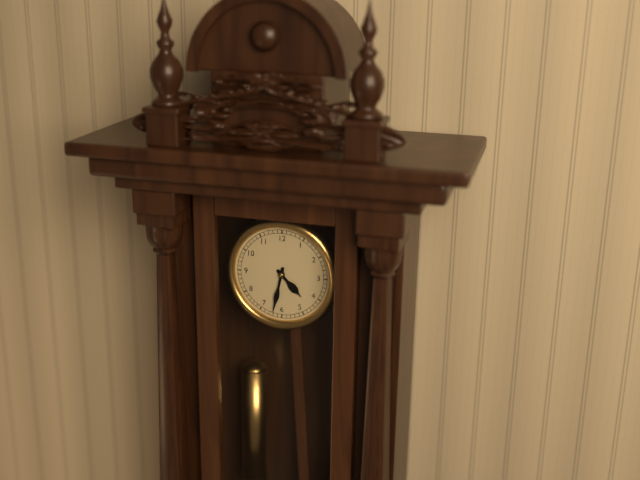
4:32
